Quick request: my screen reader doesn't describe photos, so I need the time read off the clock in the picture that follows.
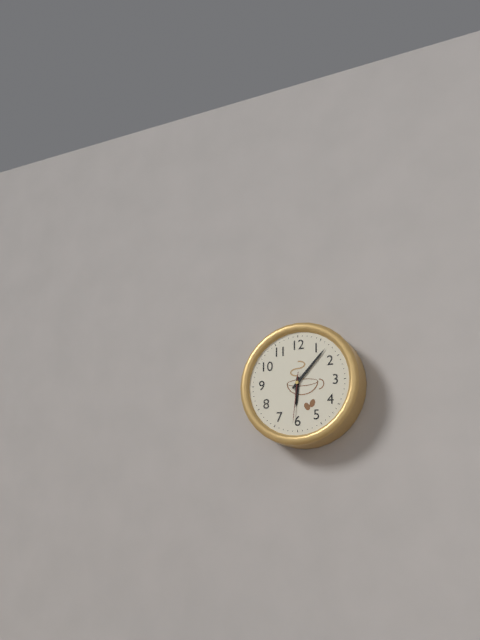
6:07:31
